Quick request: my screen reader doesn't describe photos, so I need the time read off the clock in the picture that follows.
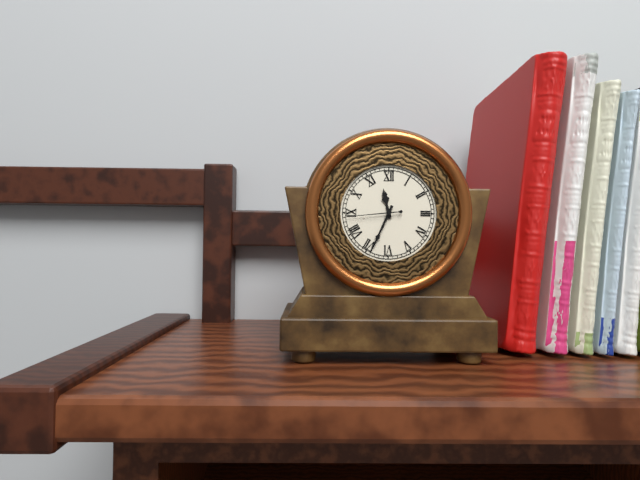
11:34:44
